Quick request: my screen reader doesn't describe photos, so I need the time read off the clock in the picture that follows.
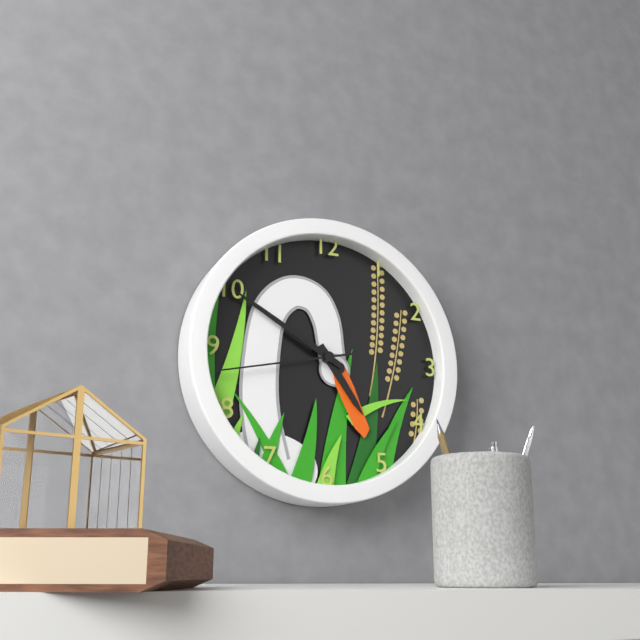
4:50:43
